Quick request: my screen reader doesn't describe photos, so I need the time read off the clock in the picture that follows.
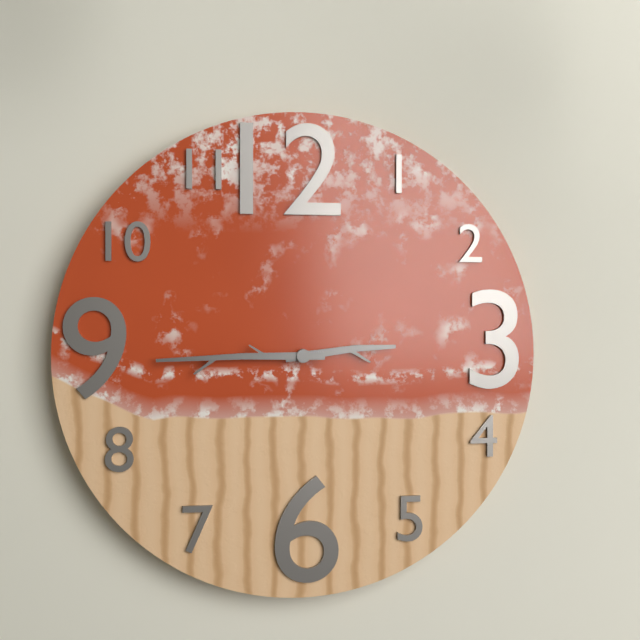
2:45
